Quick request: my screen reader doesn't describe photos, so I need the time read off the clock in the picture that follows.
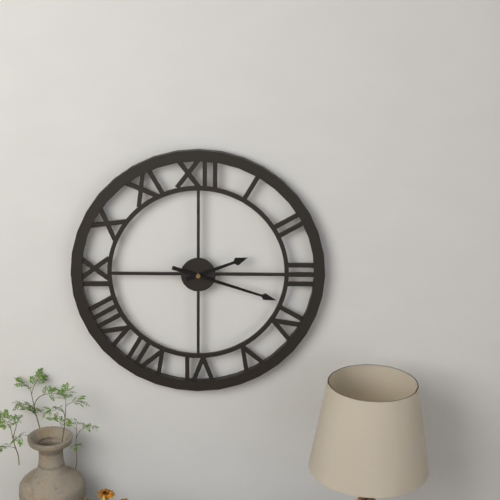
2:18
